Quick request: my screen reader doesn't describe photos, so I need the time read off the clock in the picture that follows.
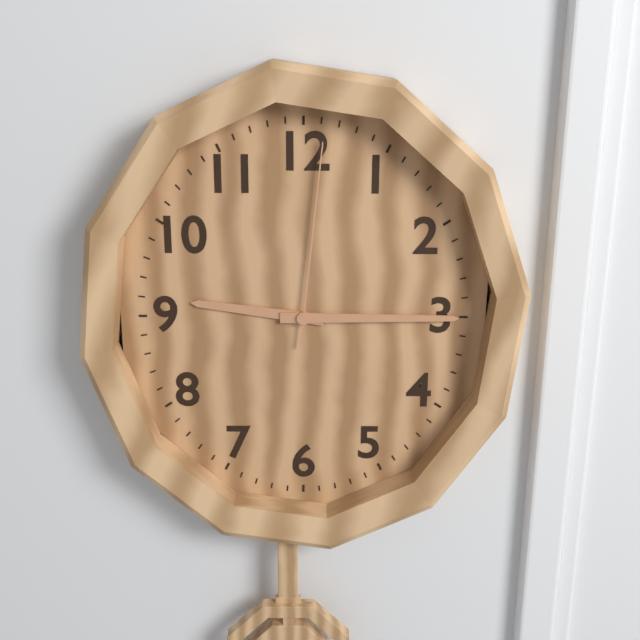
9:15:01
